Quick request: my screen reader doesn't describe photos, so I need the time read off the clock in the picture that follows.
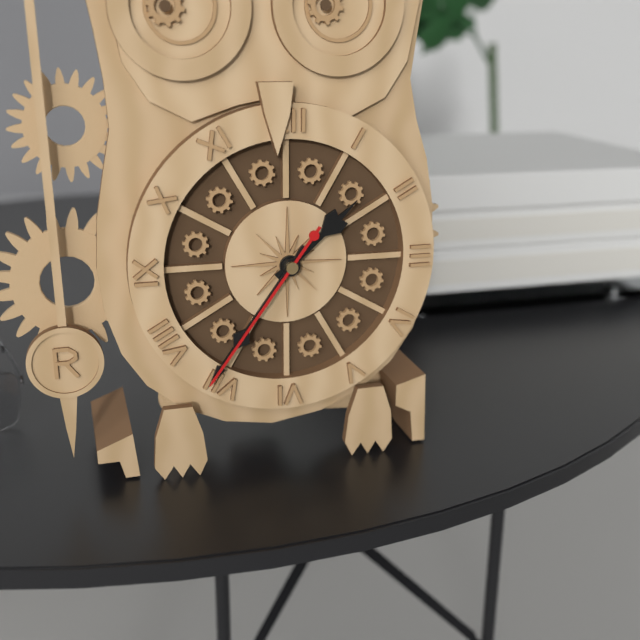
1:36:36
